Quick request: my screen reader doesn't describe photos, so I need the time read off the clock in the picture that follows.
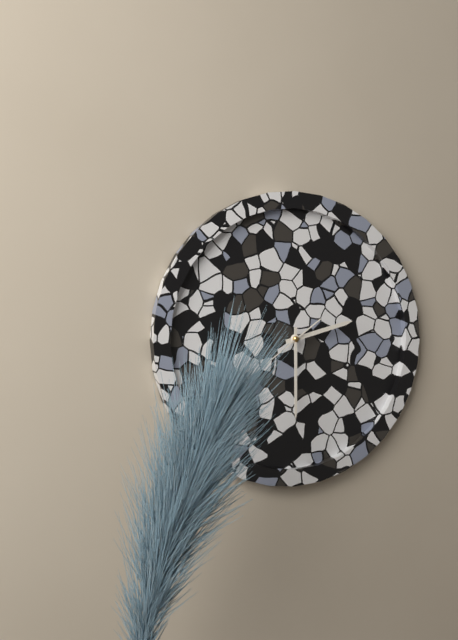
2:30
